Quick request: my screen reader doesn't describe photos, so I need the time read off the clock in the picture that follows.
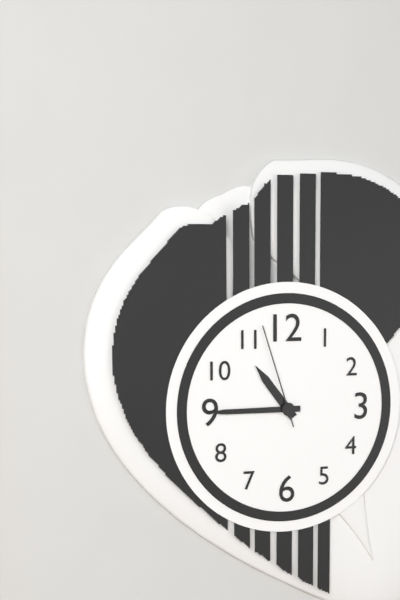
10:45:57
